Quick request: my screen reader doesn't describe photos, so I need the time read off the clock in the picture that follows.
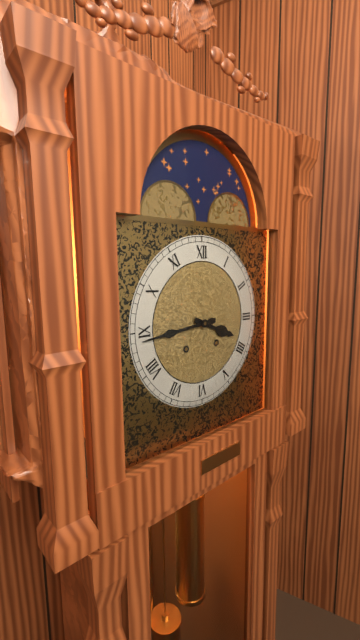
3:44
